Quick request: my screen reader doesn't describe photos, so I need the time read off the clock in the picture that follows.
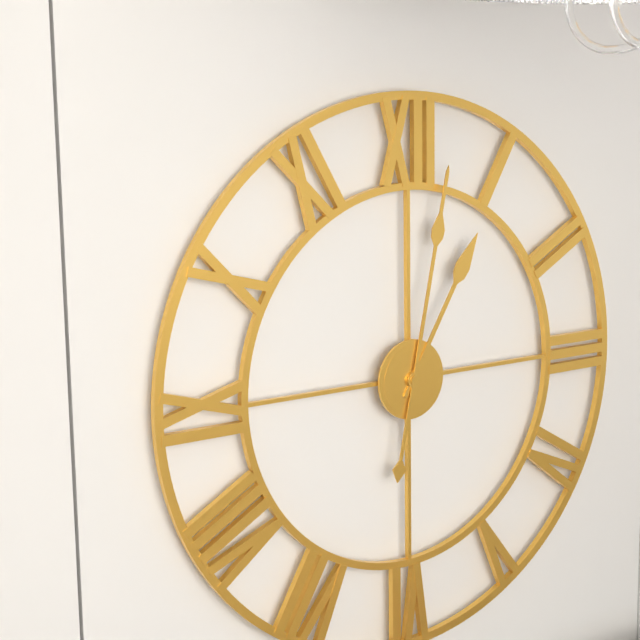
1:02
